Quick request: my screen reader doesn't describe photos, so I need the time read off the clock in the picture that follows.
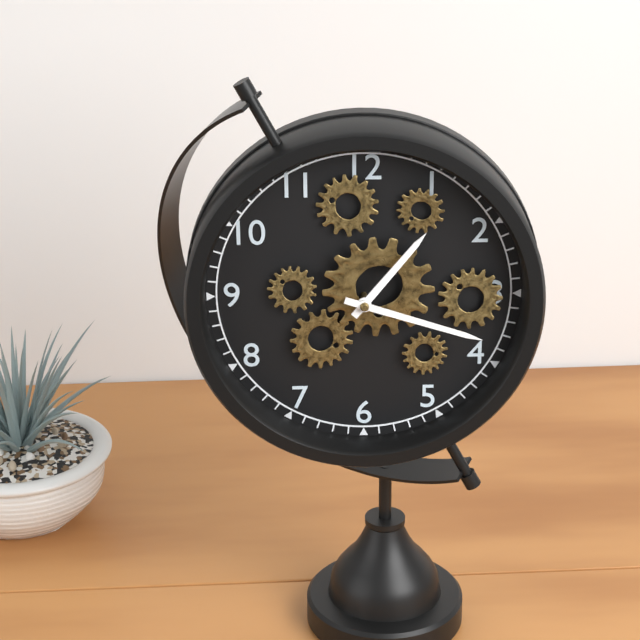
1:18
